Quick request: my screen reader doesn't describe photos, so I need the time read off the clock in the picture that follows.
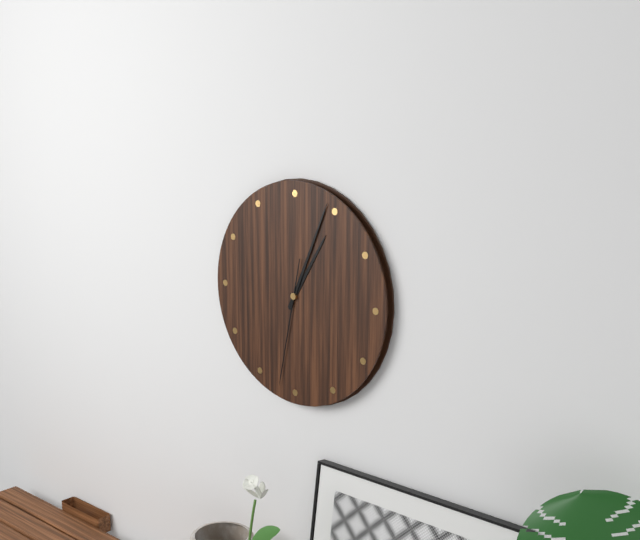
1:04:32
